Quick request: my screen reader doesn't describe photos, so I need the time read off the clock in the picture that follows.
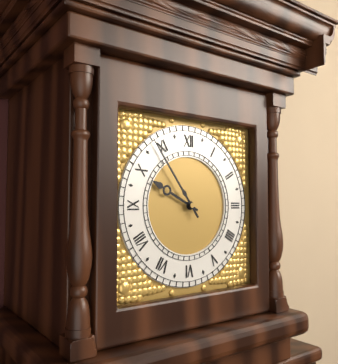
9:54
